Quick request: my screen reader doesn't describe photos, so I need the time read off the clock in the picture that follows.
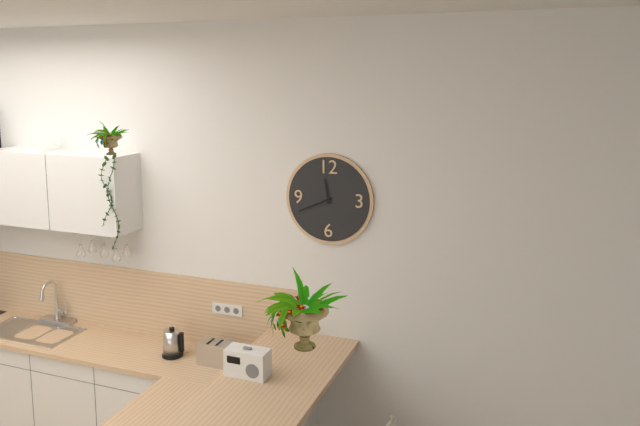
11:41
